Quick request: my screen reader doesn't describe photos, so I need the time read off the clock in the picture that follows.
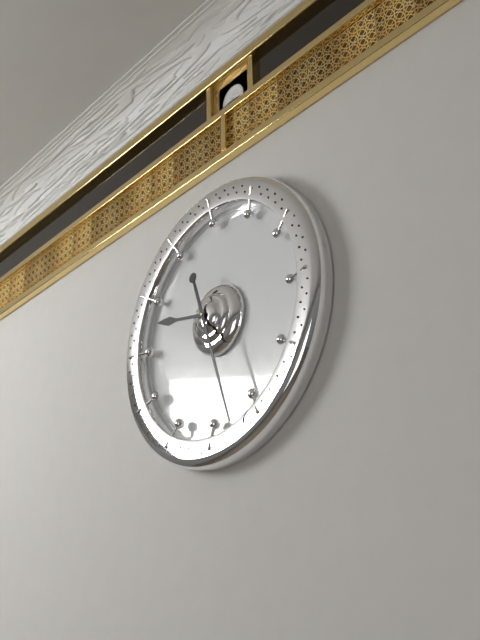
9:27
